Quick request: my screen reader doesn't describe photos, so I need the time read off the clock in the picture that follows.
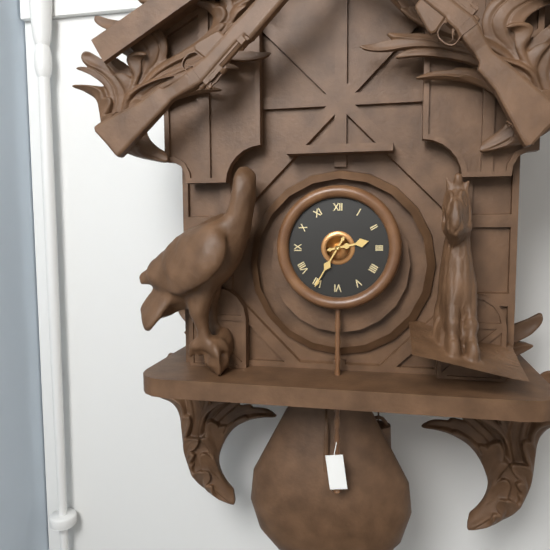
2:35
